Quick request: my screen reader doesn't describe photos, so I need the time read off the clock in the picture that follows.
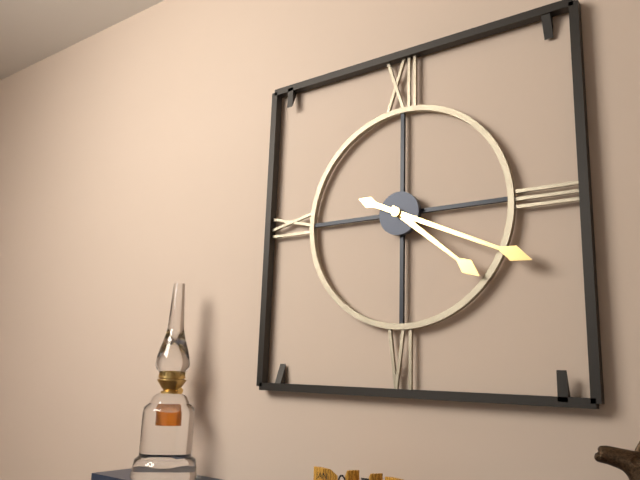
4:19
